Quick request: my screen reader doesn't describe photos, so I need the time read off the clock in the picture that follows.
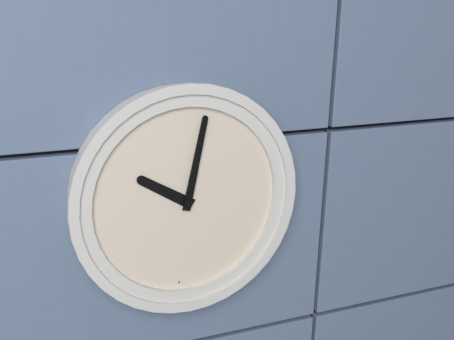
10:02
